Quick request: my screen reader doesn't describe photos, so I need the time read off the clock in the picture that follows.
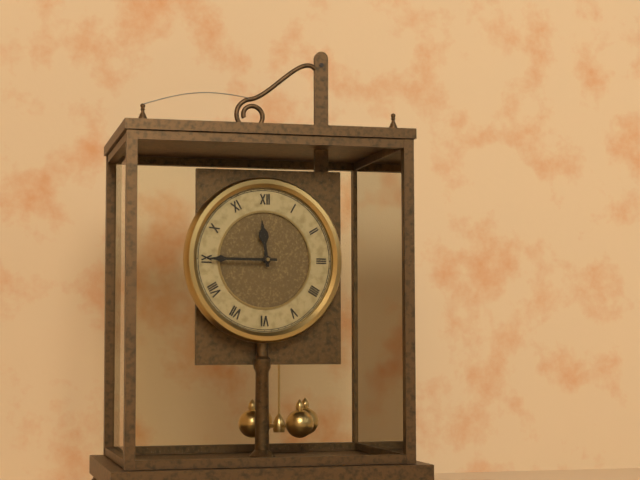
11:45
